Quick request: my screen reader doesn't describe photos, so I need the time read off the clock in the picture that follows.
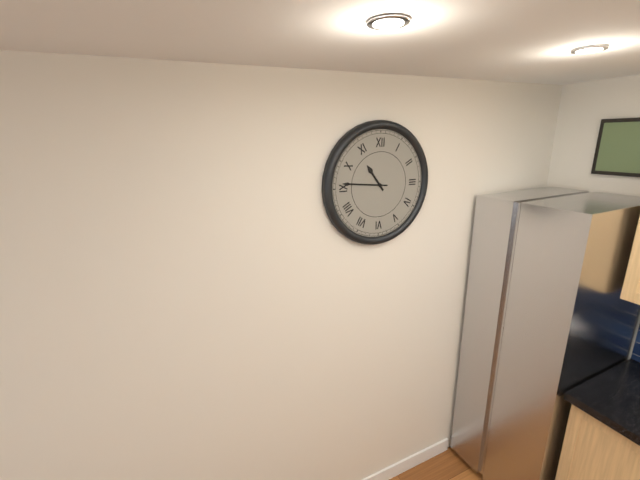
10:46
